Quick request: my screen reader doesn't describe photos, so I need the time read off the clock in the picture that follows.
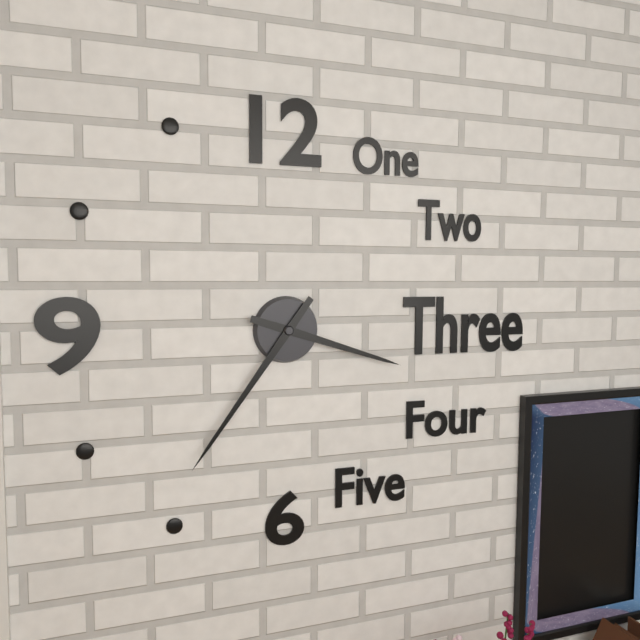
3:36
